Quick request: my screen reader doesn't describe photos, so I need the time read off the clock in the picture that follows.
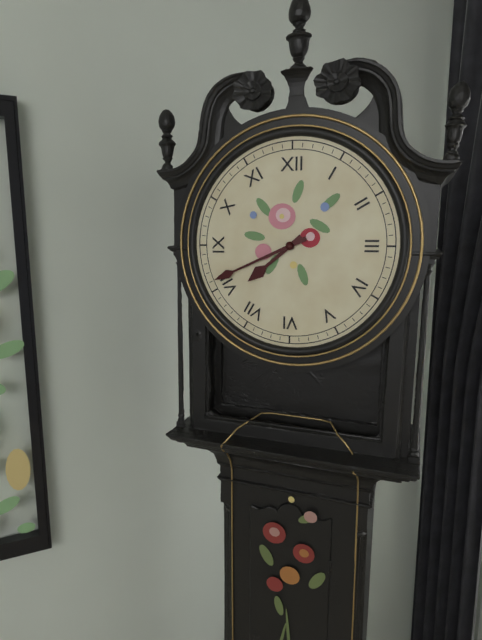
7:41
